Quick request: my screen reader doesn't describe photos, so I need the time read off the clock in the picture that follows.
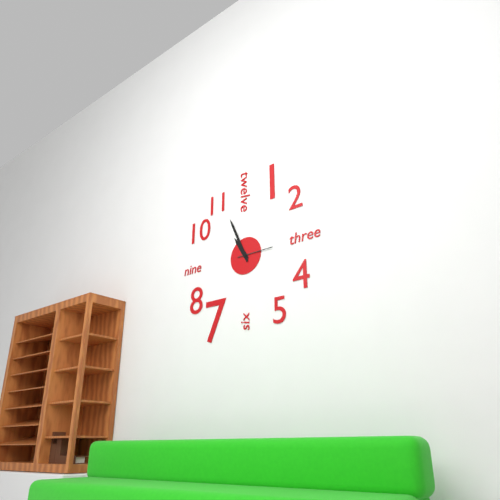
10:56
